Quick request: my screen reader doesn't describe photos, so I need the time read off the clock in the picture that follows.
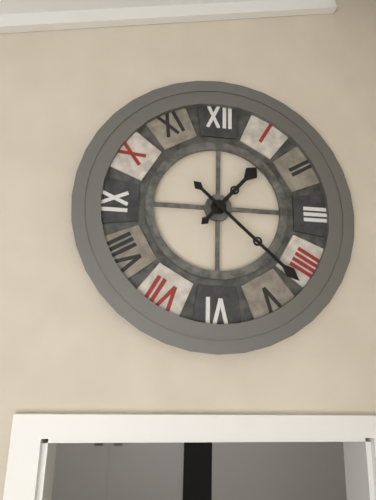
1:22
